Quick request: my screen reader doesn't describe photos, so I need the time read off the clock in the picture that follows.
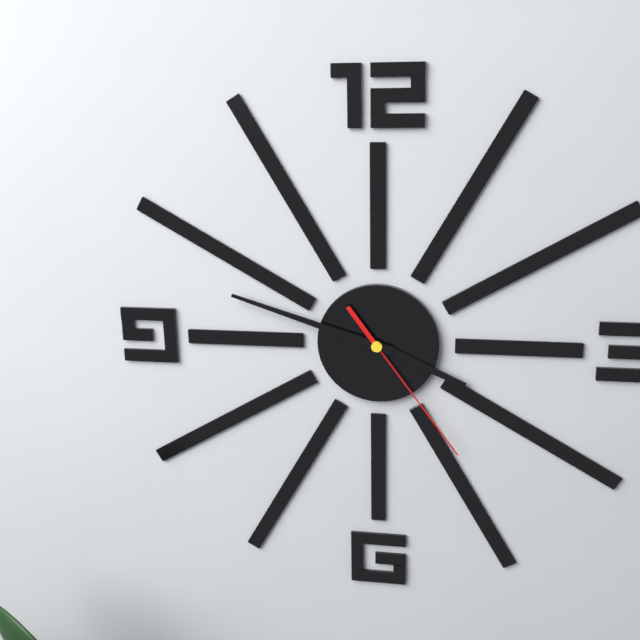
3:48:24
